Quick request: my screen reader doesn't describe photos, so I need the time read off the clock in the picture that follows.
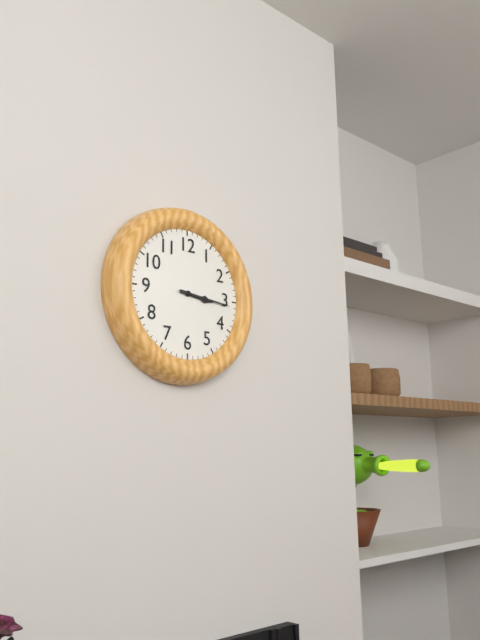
3:16
